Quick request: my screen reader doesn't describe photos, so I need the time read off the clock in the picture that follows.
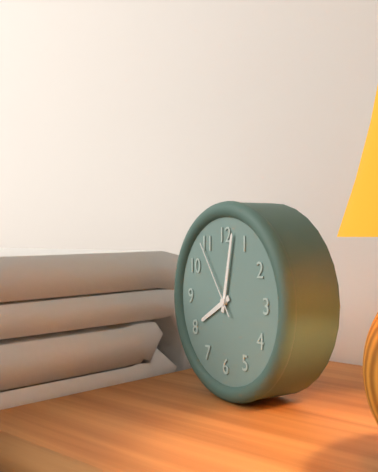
8:02:54
